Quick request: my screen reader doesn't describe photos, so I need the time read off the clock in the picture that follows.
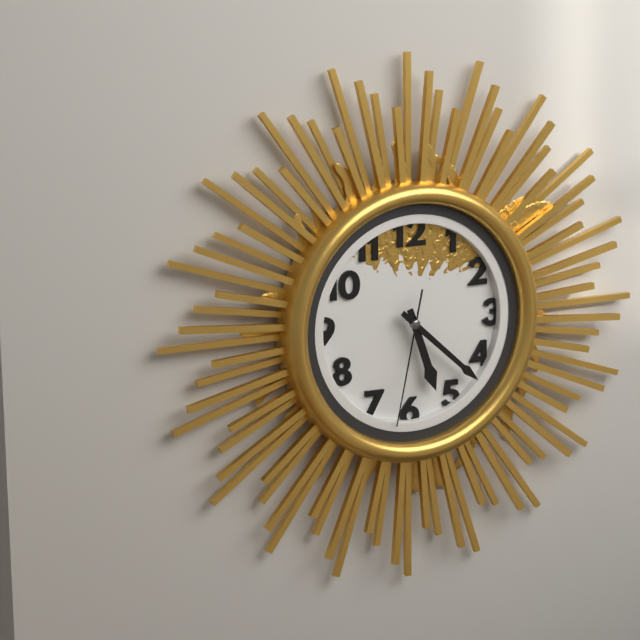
5:22:32
